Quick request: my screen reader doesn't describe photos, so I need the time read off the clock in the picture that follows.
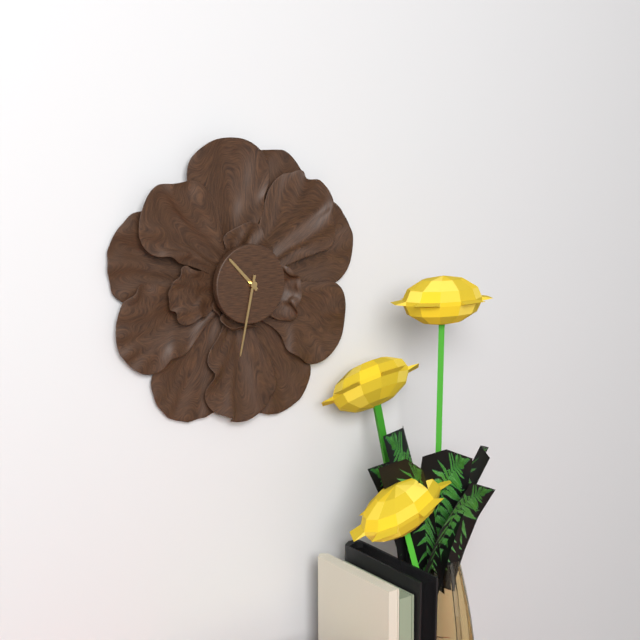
10:32
